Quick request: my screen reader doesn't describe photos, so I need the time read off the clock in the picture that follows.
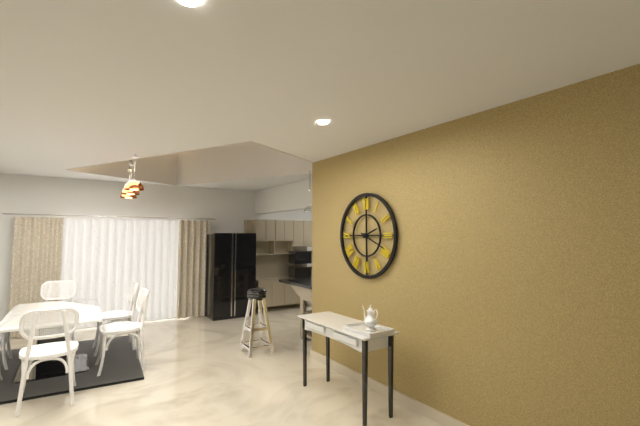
2:19
